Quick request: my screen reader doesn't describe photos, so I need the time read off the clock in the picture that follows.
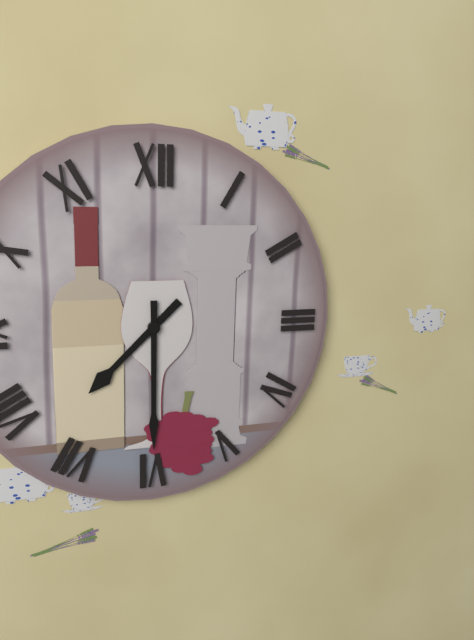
7:30
